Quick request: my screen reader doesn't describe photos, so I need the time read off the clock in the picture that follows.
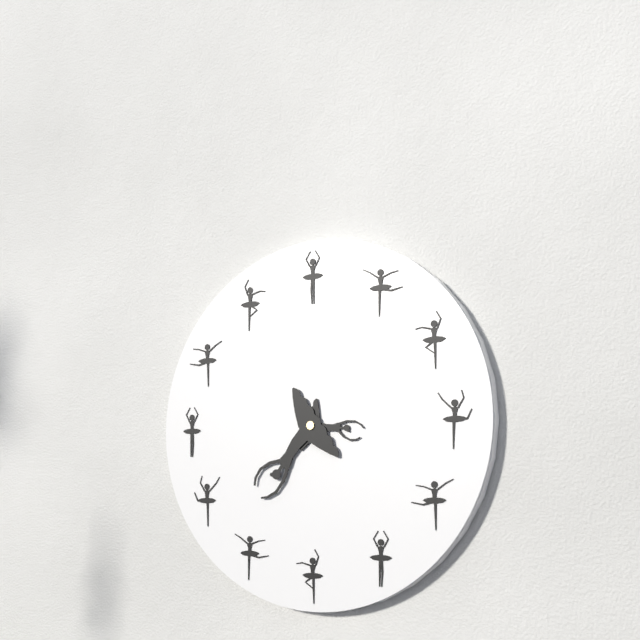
3:39
